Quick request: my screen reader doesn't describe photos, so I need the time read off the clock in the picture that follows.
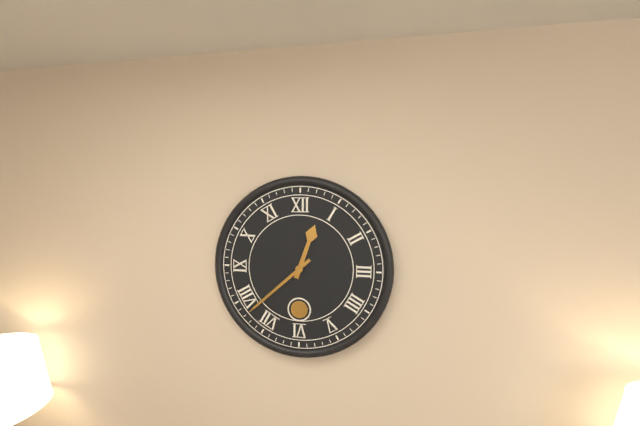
12:38
